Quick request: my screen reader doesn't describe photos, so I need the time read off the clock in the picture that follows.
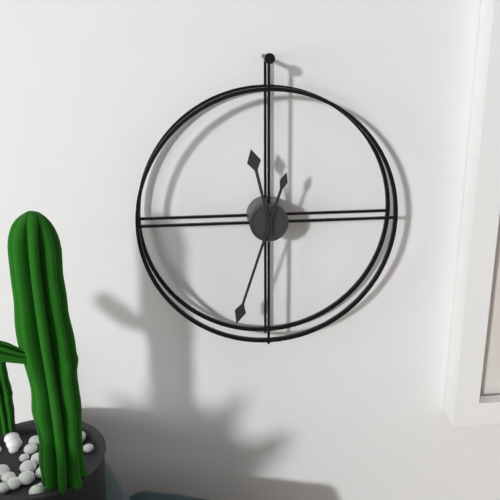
11:33
